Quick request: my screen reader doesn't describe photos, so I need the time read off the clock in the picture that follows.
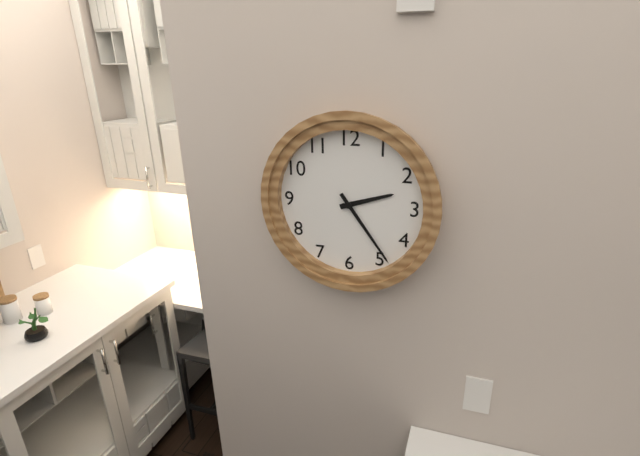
2:24
